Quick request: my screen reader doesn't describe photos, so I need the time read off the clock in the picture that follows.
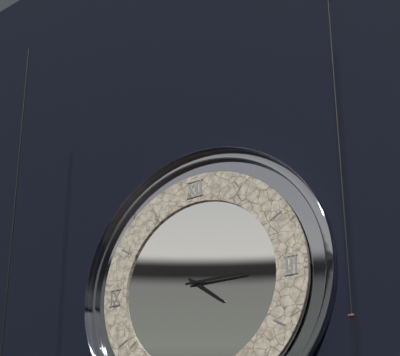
4:15
